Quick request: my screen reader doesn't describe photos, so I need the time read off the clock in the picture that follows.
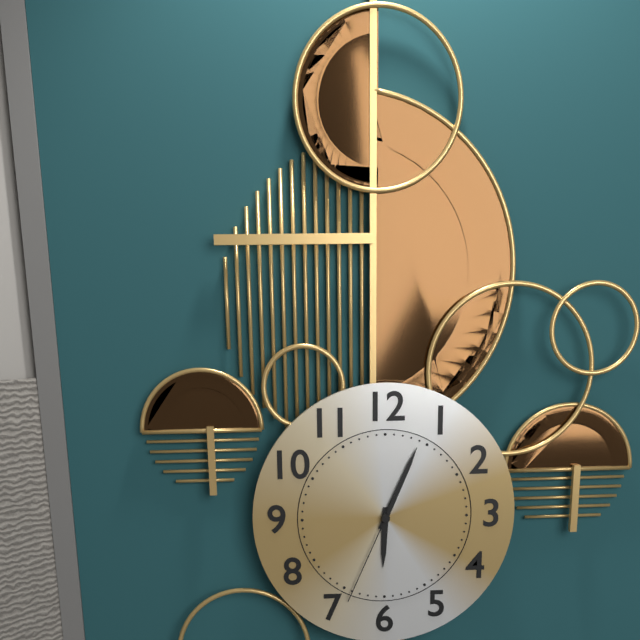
6:04:34
